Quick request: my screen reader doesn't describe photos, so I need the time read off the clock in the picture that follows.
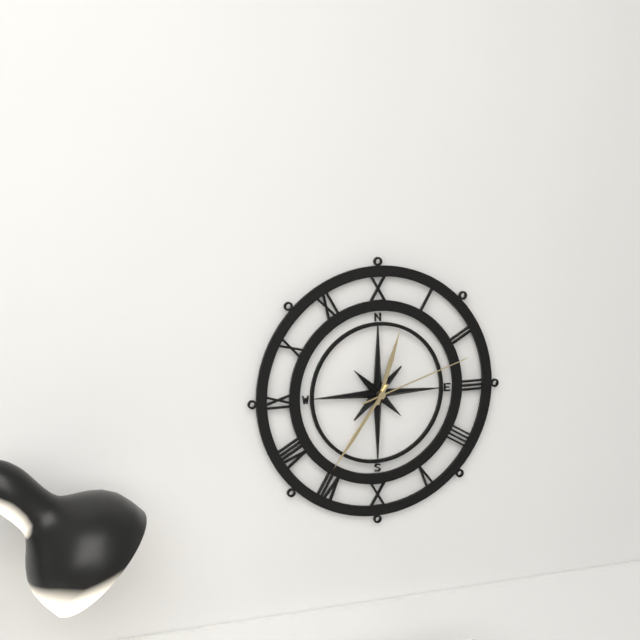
12:36:12
